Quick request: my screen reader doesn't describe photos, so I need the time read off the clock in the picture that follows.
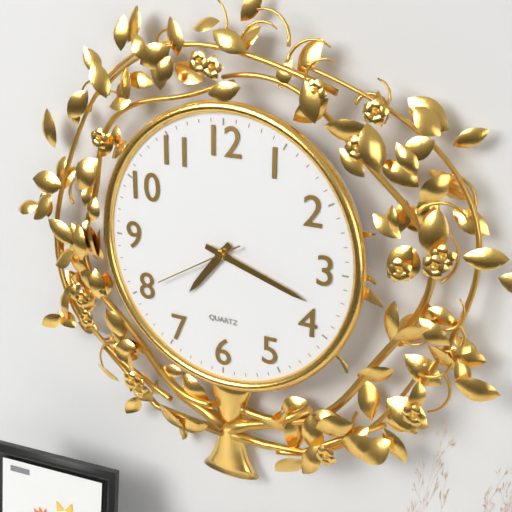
7:18:40
